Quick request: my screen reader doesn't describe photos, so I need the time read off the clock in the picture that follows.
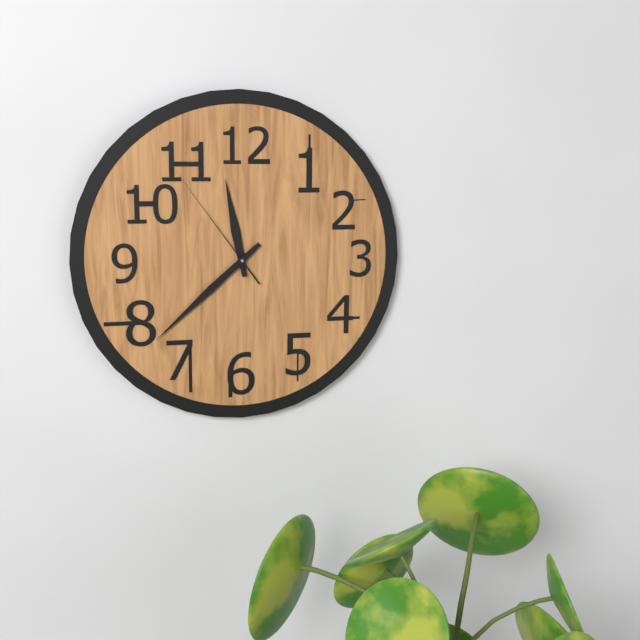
11:38:54
